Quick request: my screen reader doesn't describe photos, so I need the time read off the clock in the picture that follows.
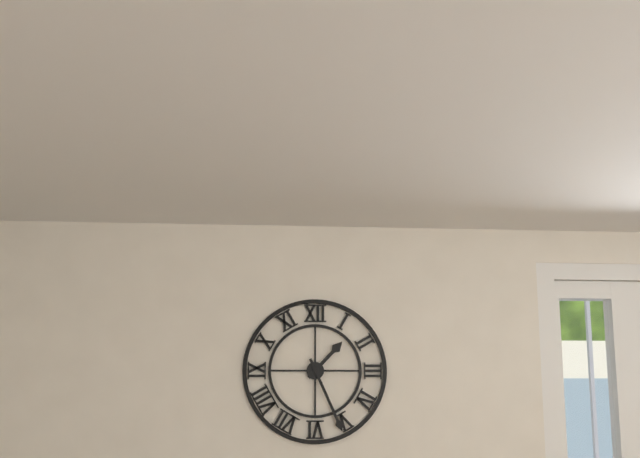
1:26
